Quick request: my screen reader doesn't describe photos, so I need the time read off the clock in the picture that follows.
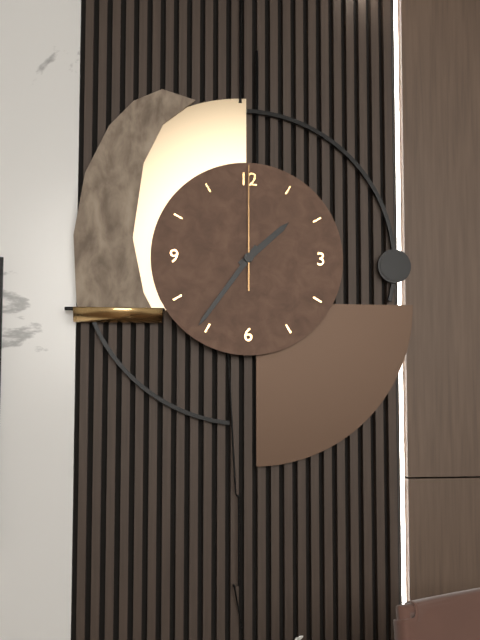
1:36:00
